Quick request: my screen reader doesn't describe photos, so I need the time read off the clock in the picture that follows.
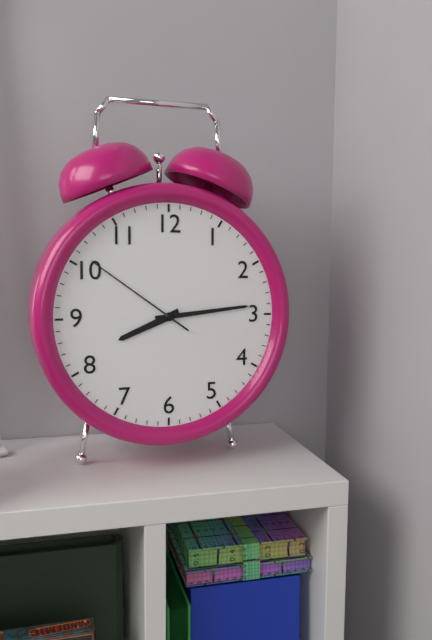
8:14:51
